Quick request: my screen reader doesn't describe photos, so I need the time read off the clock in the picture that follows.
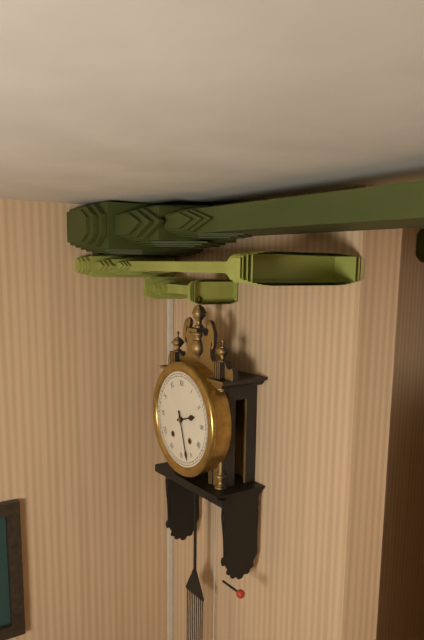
2:27
